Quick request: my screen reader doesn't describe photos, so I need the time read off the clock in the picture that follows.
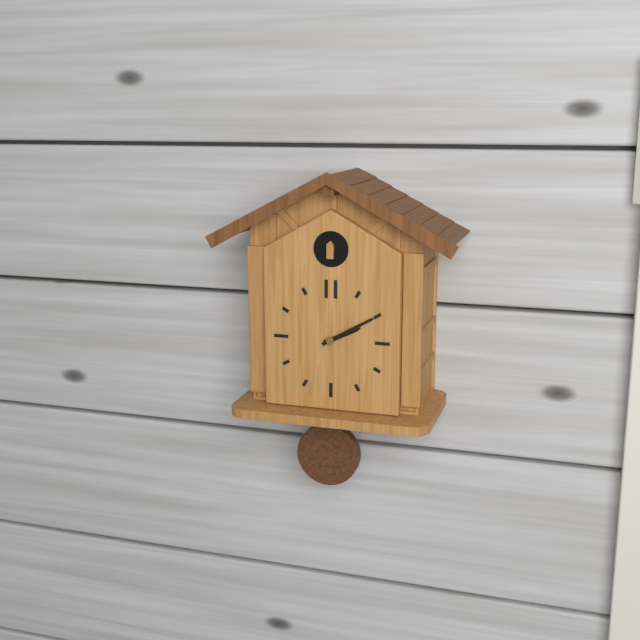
2:10
